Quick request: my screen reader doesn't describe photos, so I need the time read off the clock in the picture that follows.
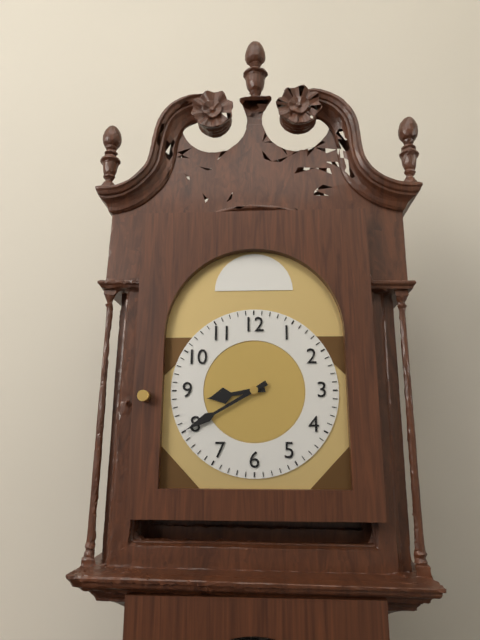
8:40
